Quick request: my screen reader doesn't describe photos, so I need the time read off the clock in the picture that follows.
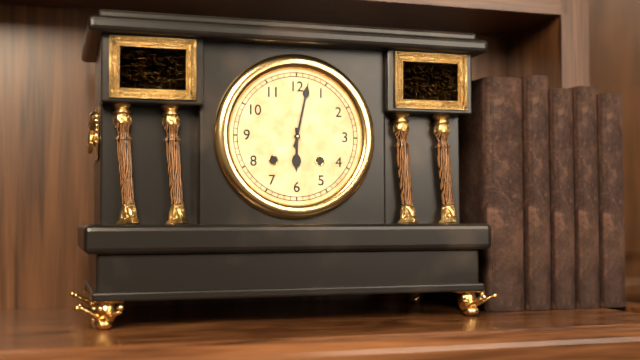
6:02
